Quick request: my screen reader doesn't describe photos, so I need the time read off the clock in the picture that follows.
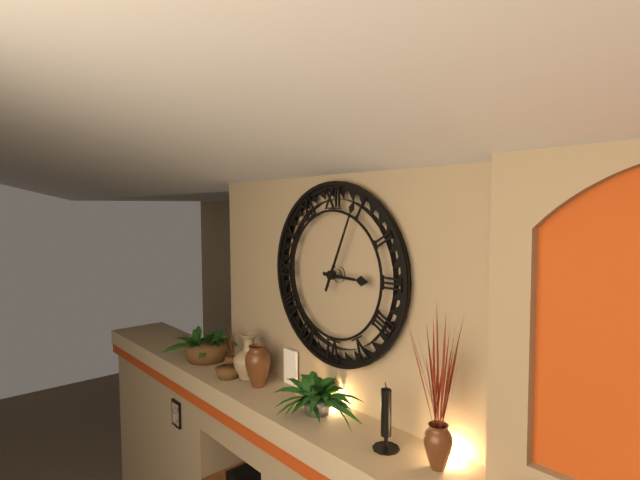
3:04
